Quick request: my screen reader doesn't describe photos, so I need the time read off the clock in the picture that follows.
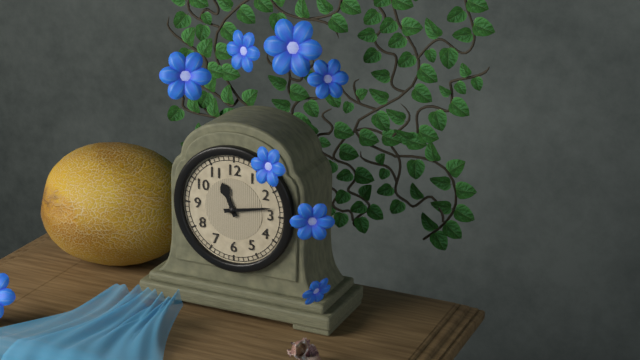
11:13
